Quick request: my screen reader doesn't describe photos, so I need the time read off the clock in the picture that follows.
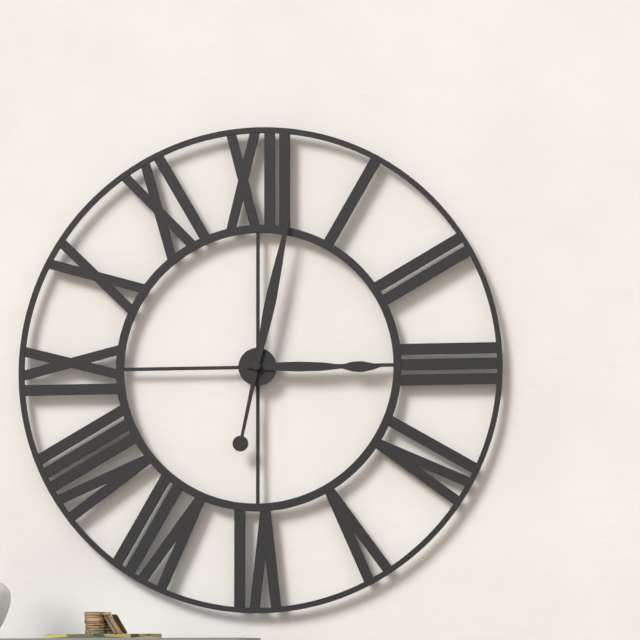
3:02
